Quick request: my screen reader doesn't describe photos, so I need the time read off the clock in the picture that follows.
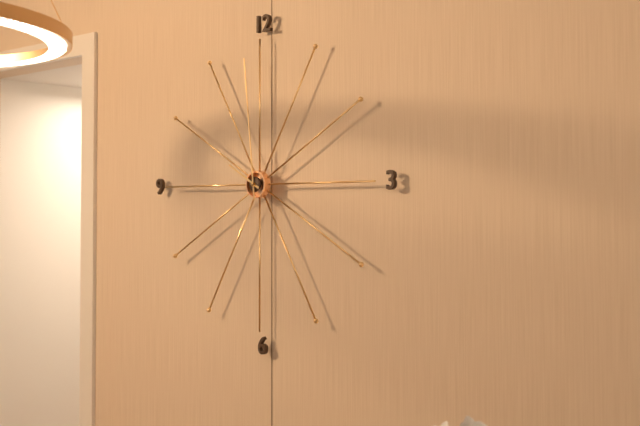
9:59
